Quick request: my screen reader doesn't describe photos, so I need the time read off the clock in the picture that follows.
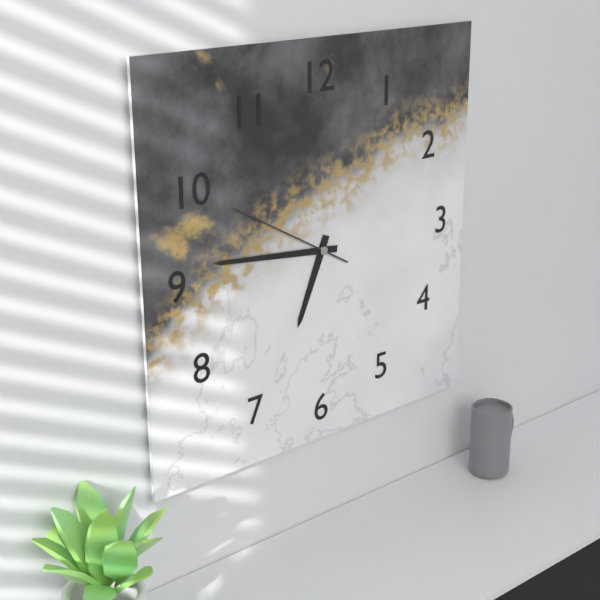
6:46:50
